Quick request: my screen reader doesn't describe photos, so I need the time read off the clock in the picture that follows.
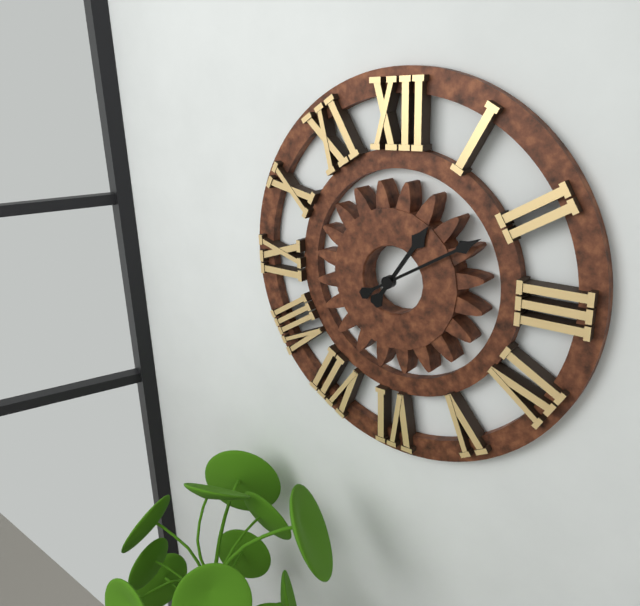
1:10
